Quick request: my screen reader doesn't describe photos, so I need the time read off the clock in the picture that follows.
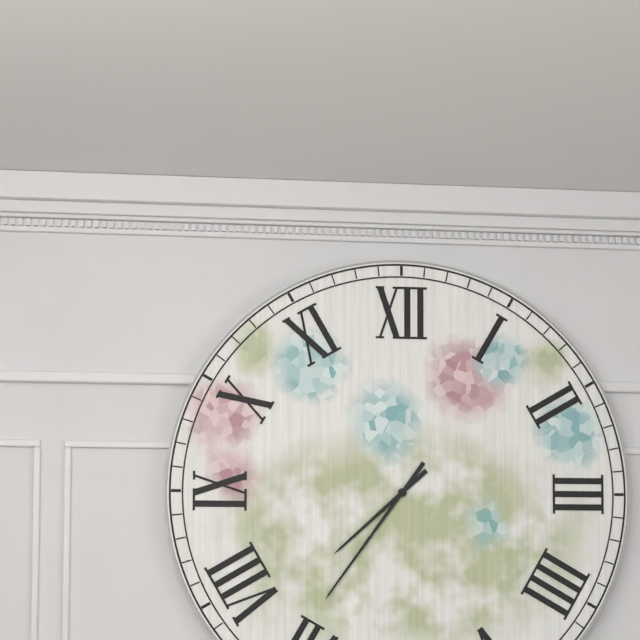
7:36
